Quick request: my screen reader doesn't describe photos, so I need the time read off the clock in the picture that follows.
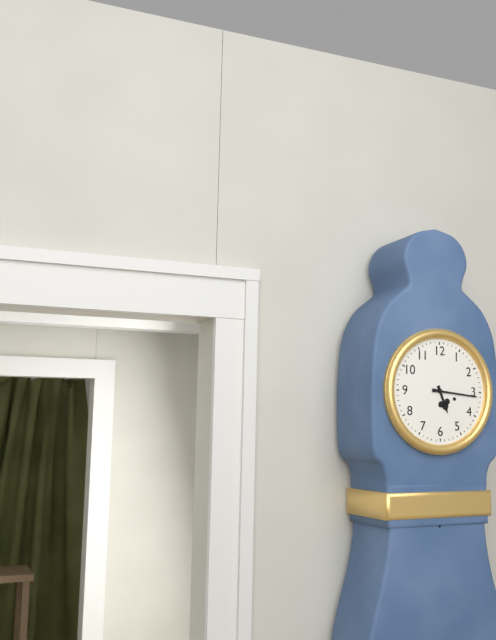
5:16
